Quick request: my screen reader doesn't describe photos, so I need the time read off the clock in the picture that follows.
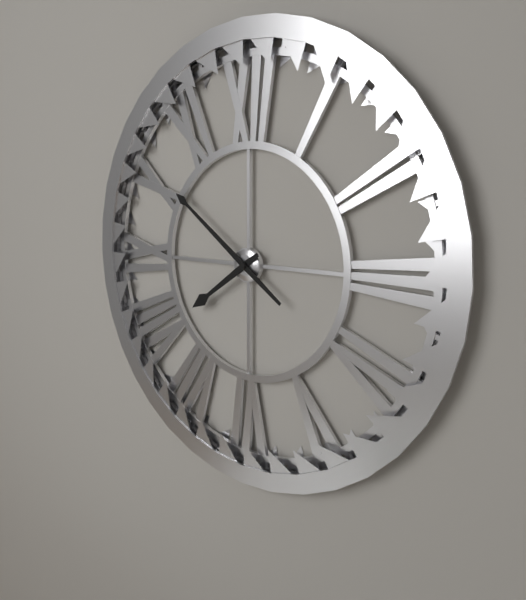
7:51
